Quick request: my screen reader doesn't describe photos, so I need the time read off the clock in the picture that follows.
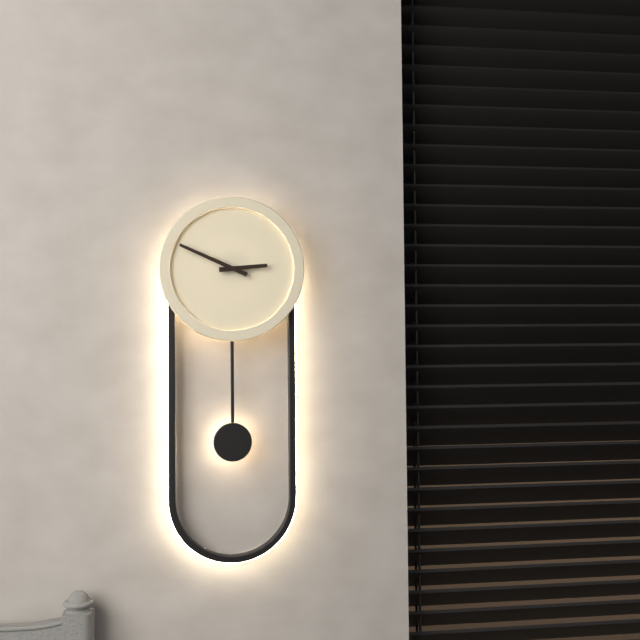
2:49
